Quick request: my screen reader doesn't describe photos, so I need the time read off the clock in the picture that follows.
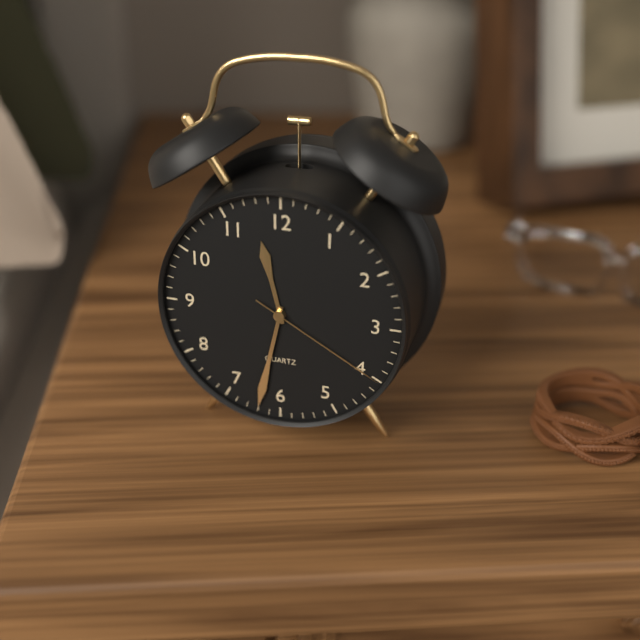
11:32:20
